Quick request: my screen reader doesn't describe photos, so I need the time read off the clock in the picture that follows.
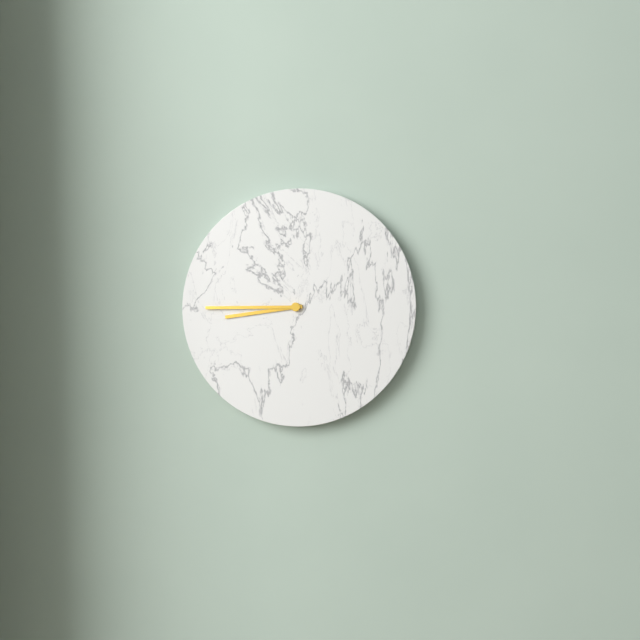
8:45
